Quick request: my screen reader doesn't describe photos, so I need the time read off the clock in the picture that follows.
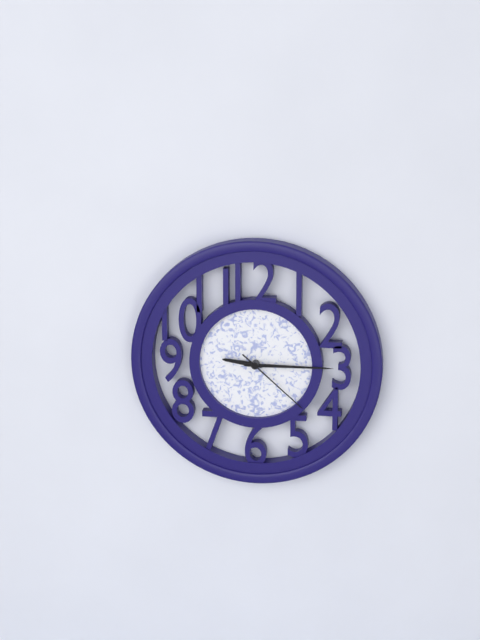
9:15:22
